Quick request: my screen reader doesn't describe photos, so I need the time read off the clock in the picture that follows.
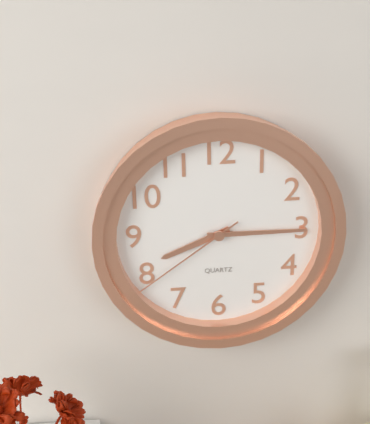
8:15:39
